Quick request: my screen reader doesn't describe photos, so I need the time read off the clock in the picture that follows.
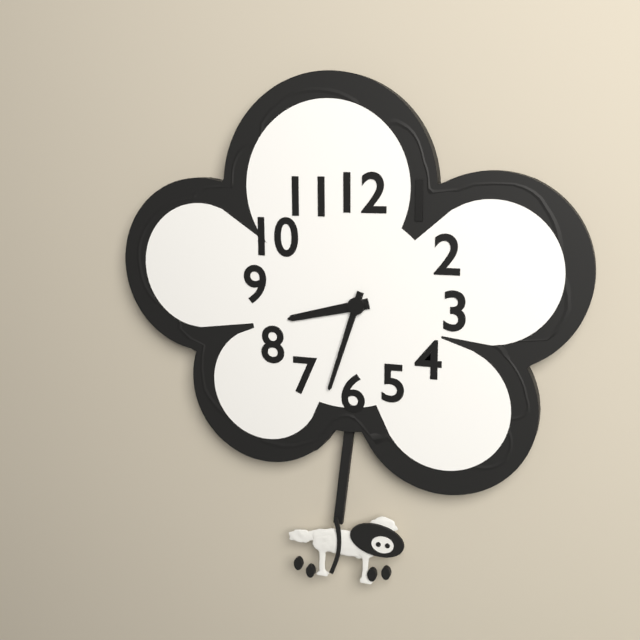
8:33
